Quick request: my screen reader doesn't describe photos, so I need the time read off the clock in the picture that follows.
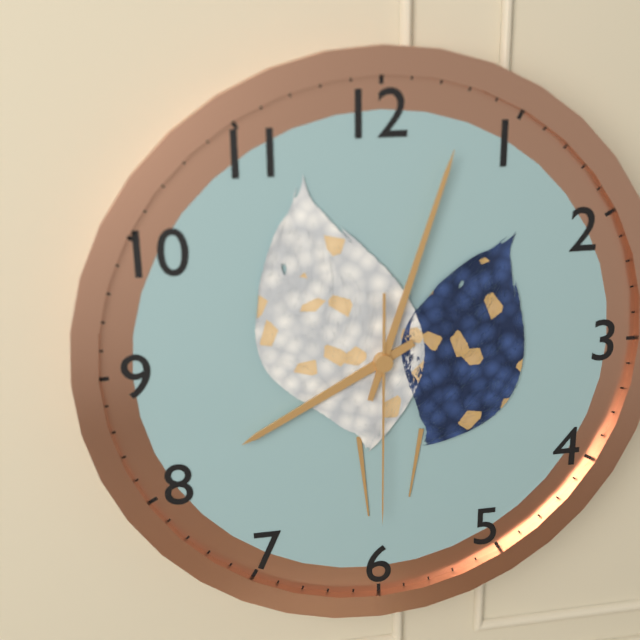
8:03:30
